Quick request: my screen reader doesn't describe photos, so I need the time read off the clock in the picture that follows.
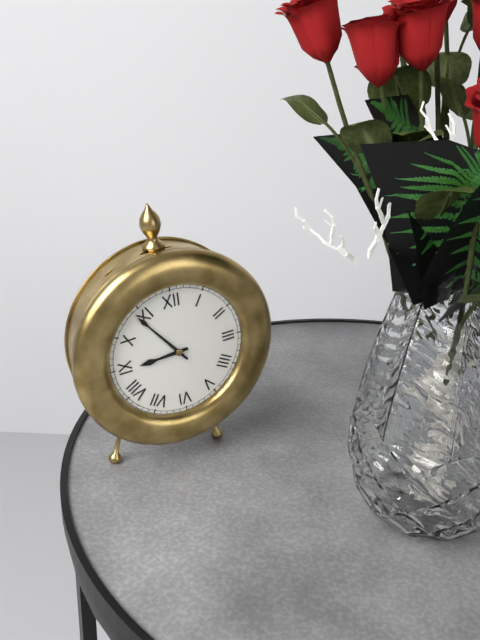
8:54
